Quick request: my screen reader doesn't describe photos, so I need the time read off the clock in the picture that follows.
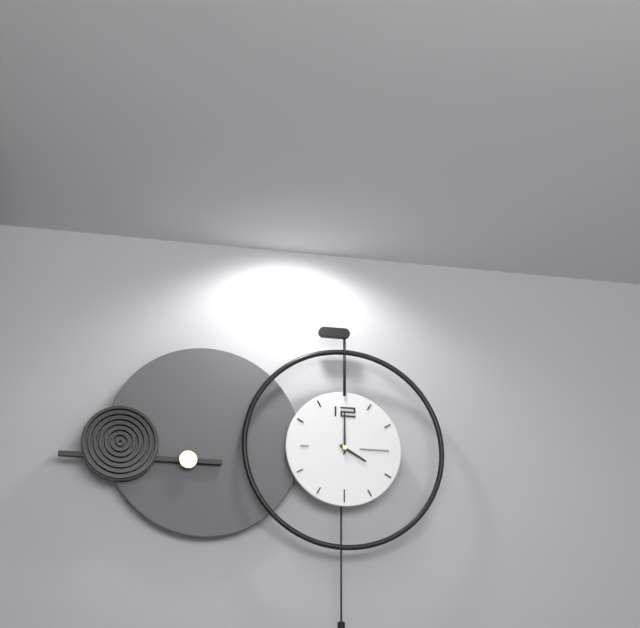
4:00
